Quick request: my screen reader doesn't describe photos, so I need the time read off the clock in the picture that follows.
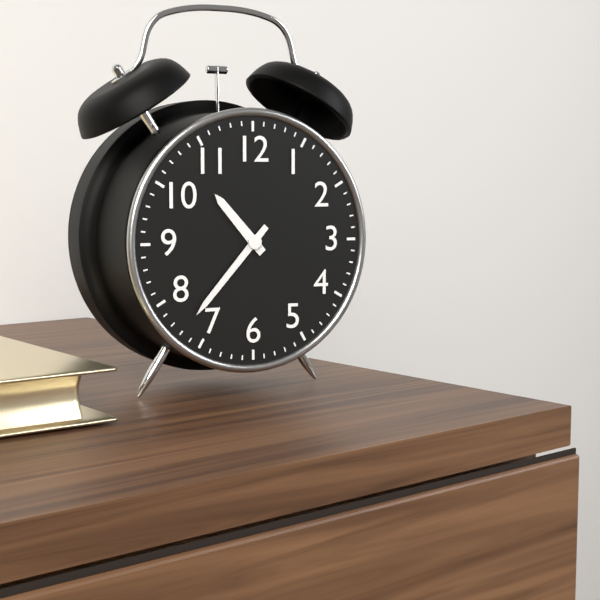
10:37
